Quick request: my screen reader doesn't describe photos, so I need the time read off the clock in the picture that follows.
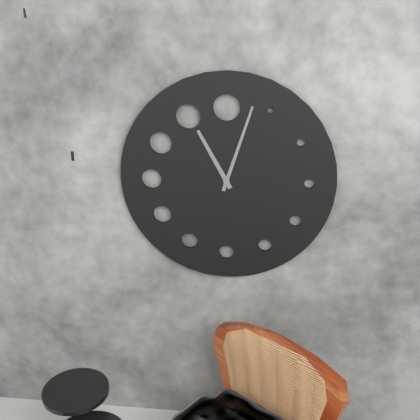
11:03
